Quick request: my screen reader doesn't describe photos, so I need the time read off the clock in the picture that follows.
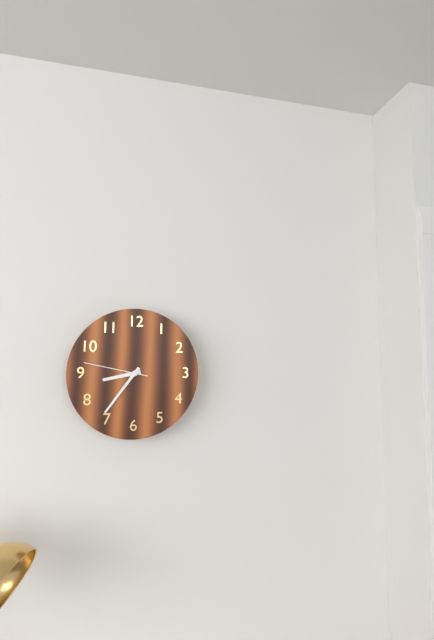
8:36:47
